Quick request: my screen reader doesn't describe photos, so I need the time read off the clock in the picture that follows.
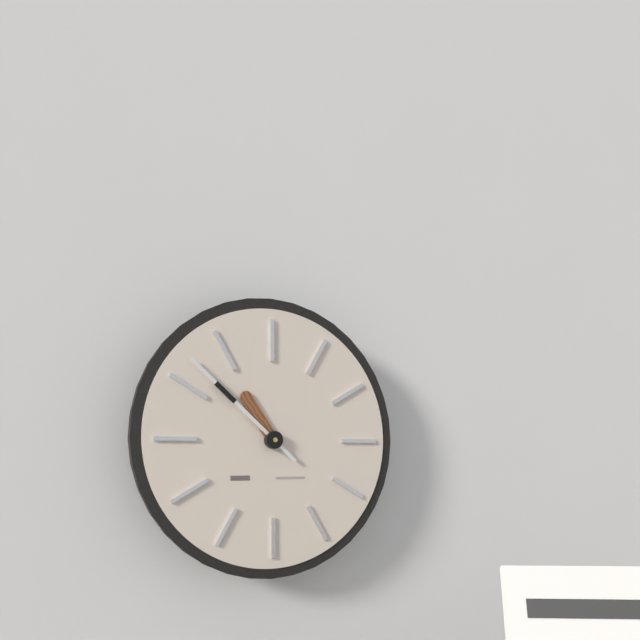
10:52
